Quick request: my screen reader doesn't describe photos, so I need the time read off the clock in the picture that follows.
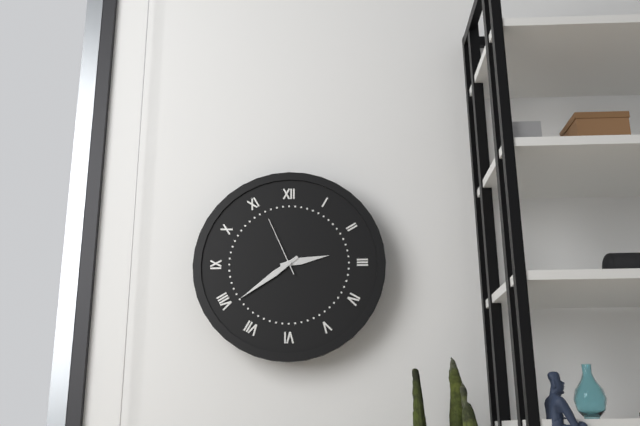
2:39:56
